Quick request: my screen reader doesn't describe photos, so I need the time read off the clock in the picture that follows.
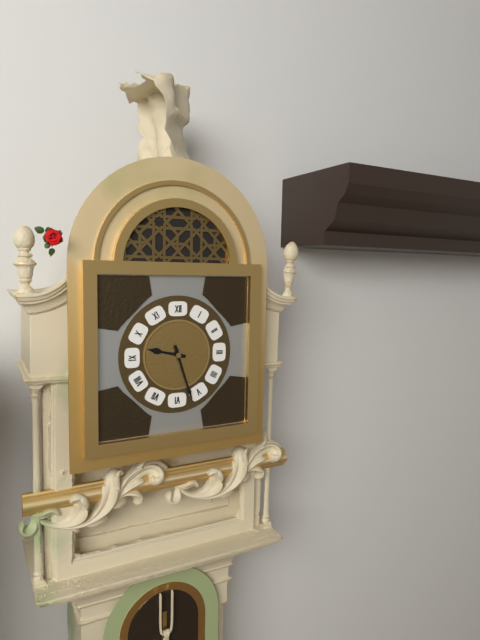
9:27
